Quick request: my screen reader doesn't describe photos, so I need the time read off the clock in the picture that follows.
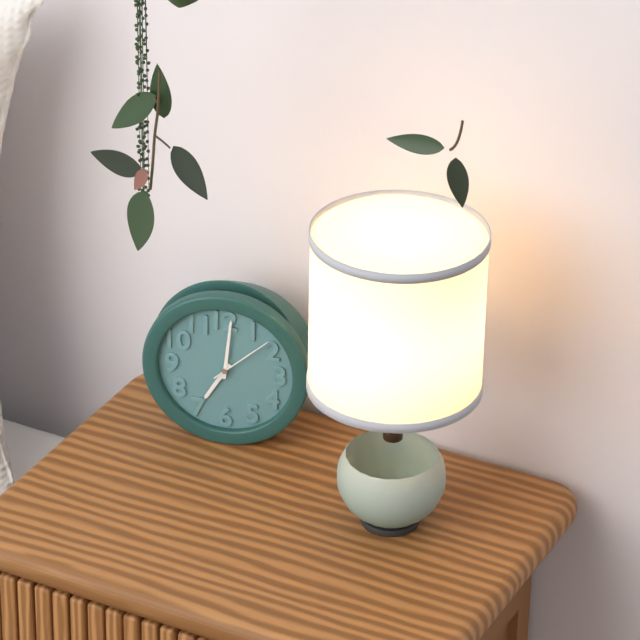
7:01:08
